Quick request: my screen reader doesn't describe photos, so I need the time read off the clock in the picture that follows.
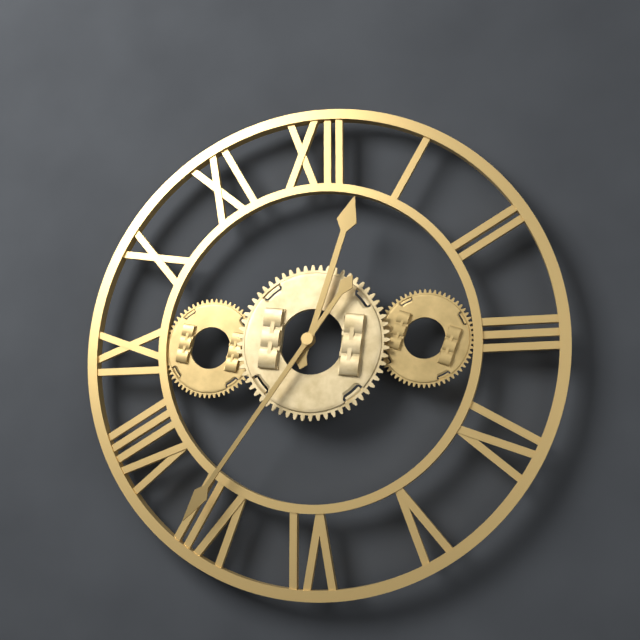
12:36
